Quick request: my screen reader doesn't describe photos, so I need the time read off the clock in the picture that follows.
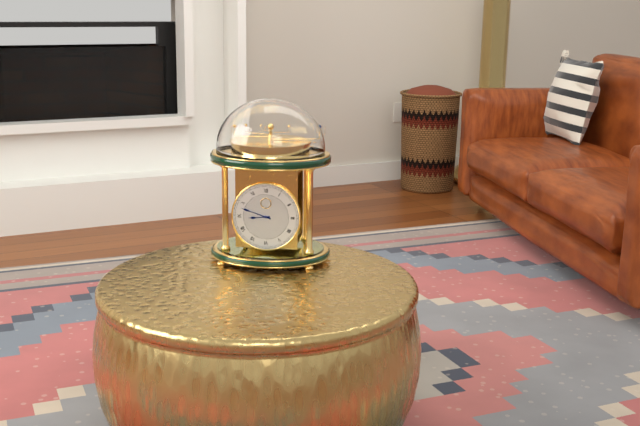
8:48
